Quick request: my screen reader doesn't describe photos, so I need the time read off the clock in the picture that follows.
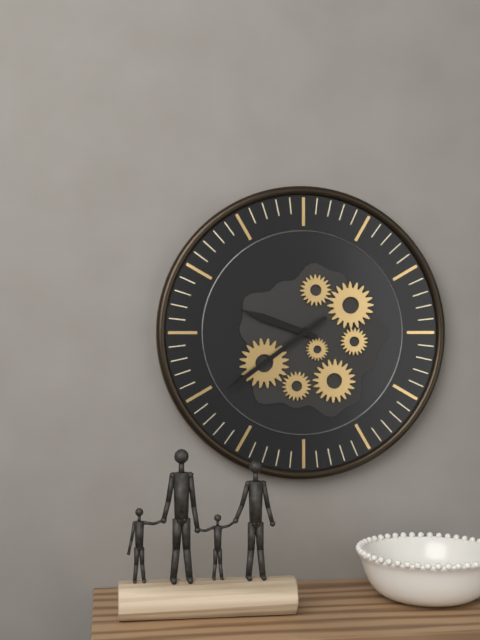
9:39
